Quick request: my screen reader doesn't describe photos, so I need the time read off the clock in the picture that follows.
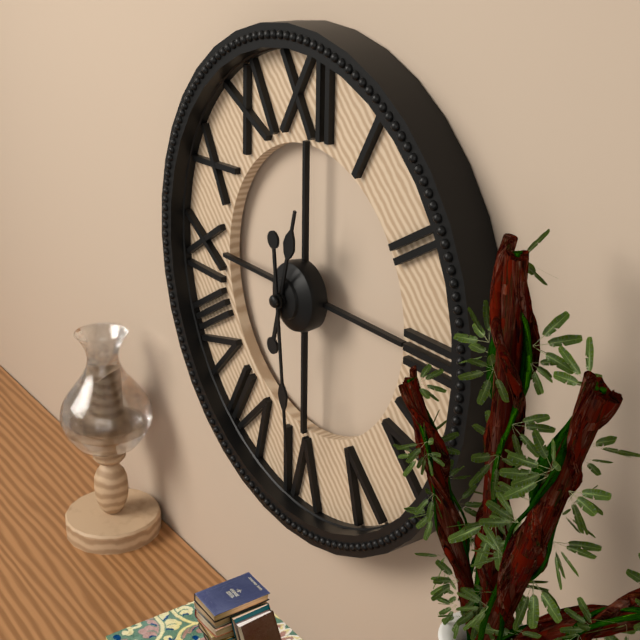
12:29
